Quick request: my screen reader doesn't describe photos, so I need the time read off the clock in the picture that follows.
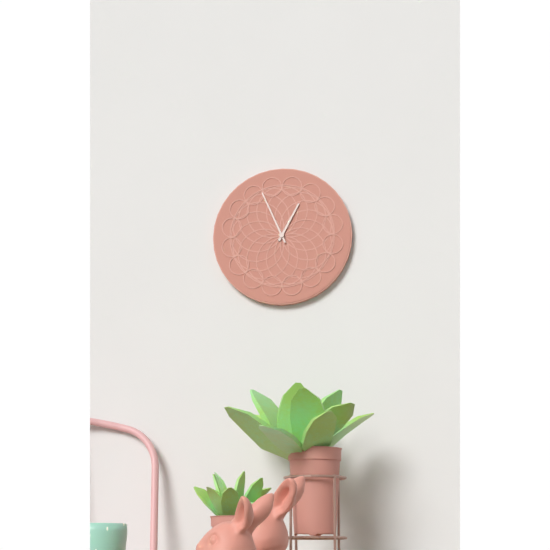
12:56
